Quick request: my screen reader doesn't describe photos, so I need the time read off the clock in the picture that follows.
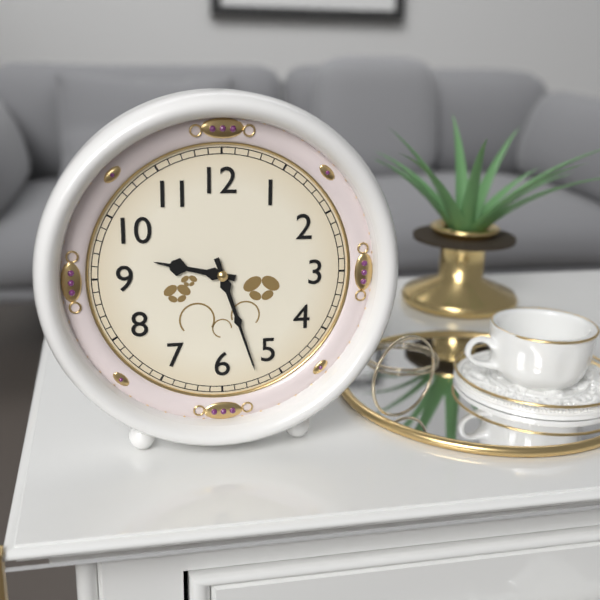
9:27
